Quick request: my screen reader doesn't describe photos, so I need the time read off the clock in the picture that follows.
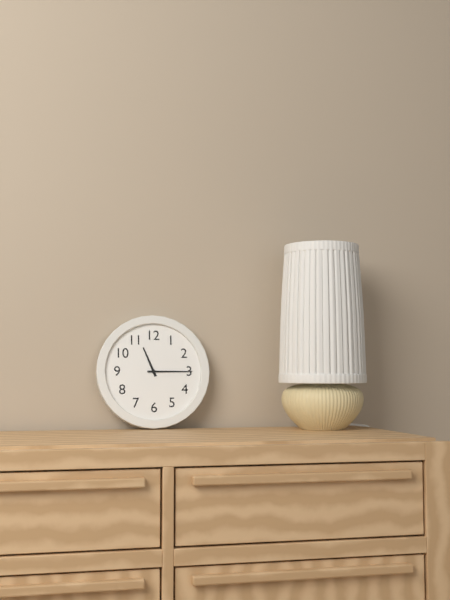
11:15
